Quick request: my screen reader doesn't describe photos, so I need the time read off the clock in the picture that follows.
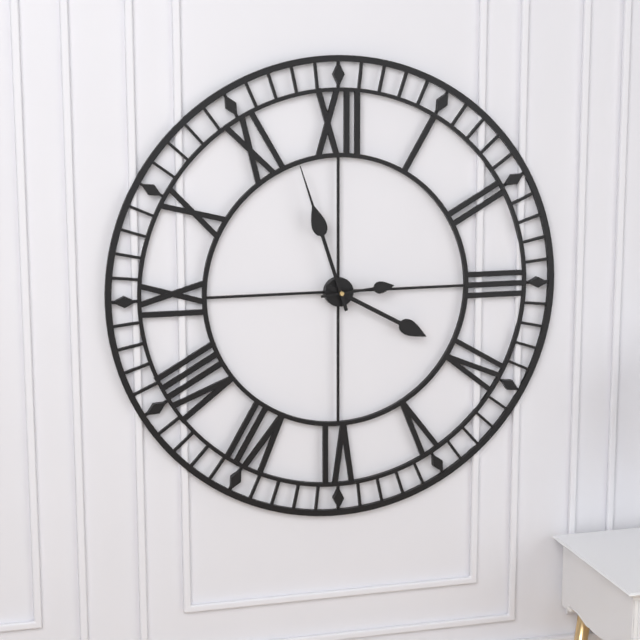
3:57:14
